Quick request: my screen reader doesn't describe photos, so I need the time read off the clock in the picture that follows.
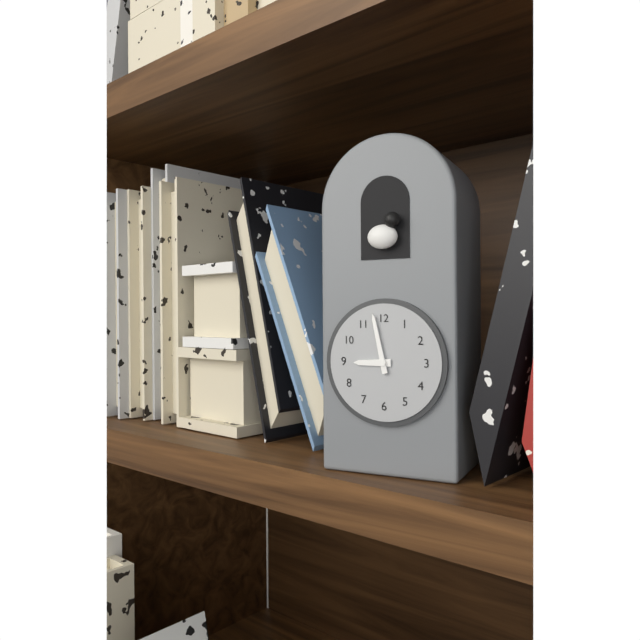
8:58
